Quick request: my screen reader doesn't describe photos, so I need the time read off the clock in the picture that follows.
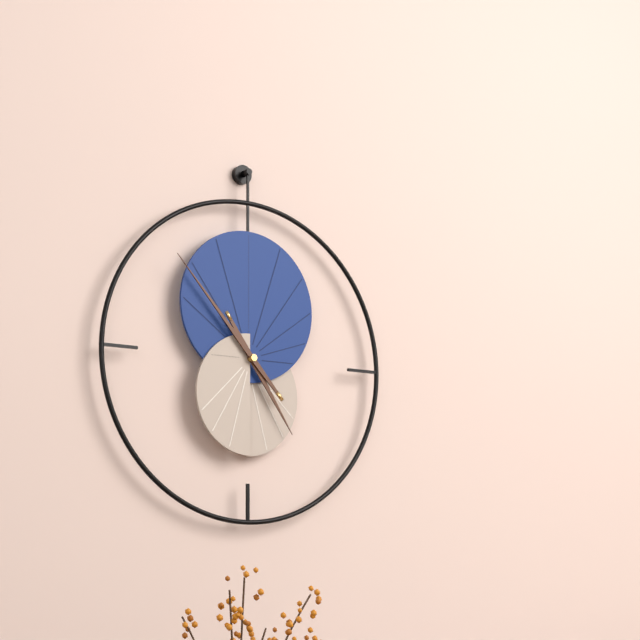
4:53
